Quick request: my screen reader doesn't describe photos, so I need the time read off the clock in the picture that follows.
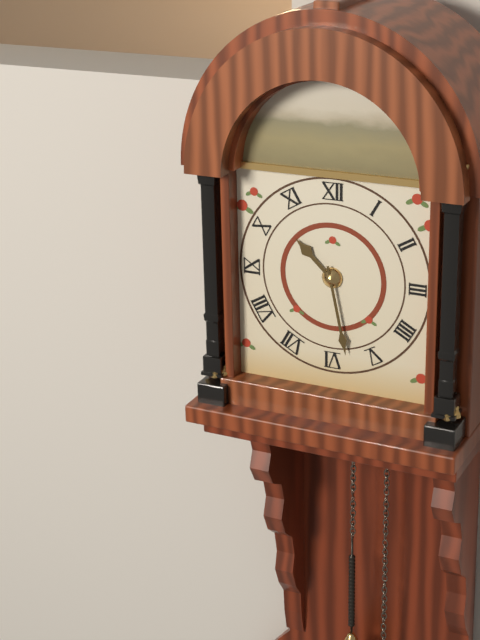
10:28
